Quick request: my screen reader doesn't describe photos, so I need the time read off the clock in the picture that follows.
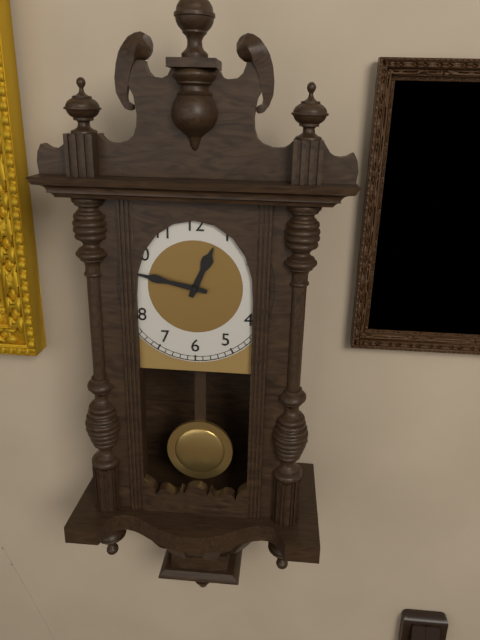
12:47
